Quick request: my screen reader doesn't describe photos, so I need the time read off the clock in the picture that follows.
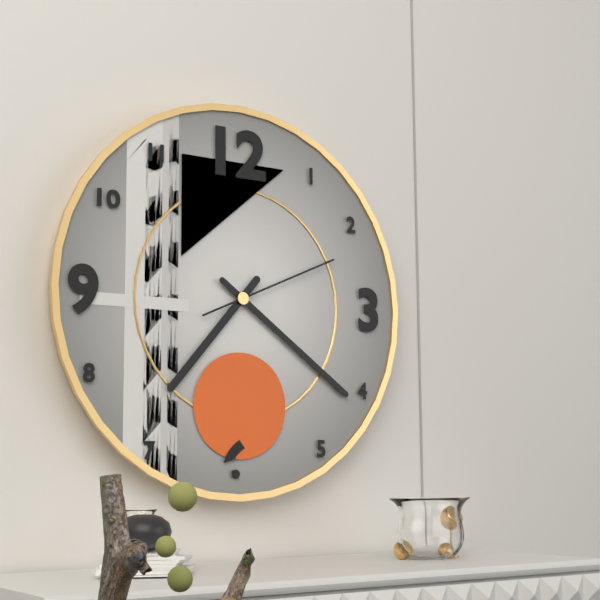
7:21:11
